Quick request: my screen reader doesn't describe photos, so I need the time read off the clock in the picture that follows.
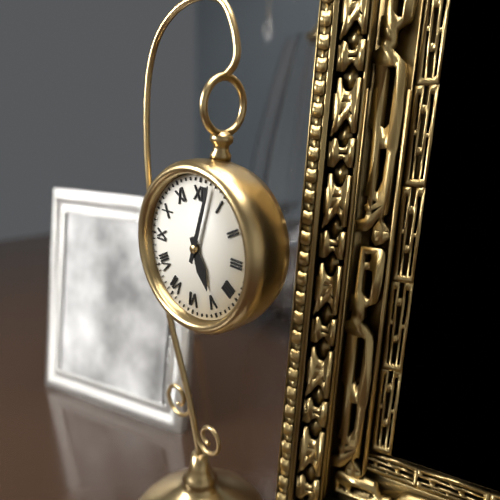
5:02
